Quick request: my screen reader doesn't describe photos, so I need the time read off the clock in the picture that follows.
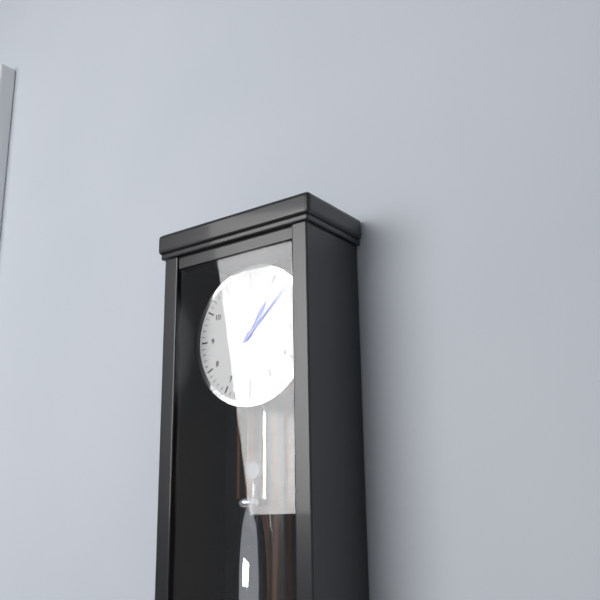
1:08
